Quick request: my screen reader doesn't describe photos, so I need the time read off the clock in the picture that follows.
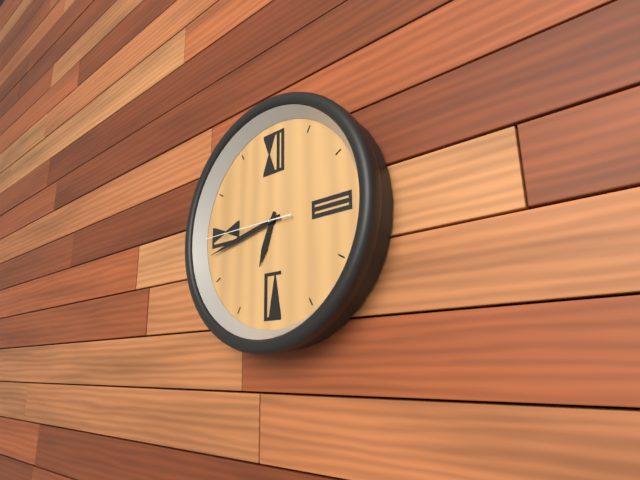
6:43:45
